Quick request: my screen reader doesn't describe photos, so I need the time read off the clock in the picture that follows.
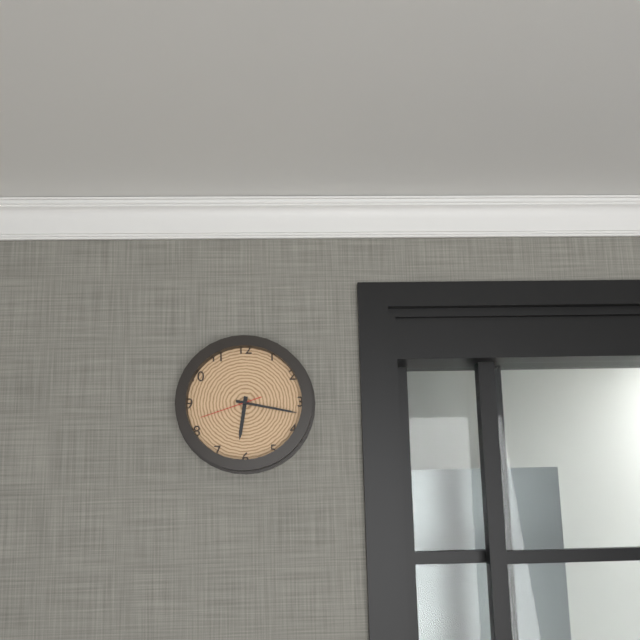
6:17:42
